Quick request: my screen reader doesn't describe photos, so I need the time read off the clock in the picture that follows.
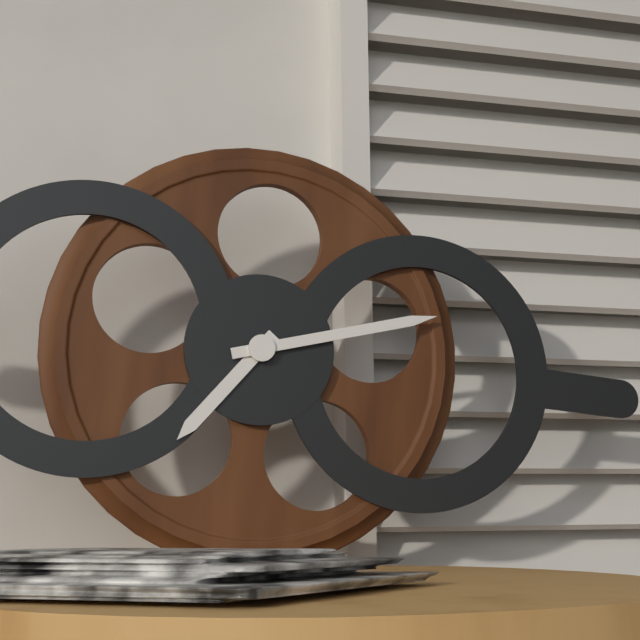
7:12
